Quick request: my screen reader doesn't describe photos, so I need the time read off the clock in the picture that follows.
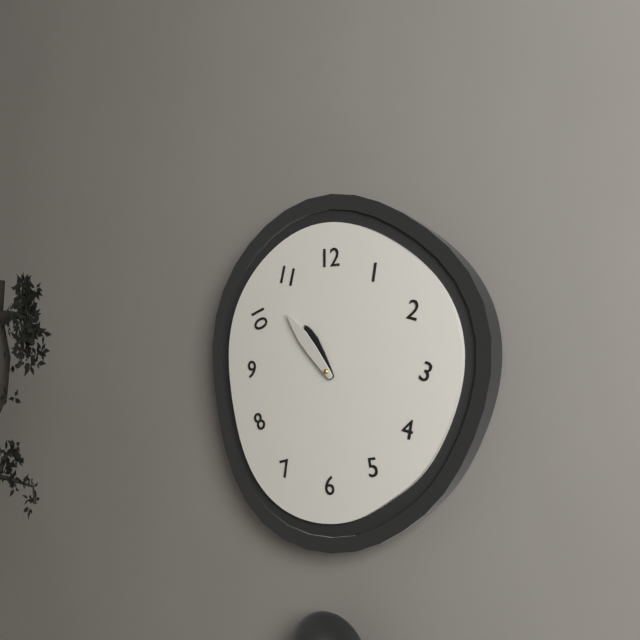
10:53
